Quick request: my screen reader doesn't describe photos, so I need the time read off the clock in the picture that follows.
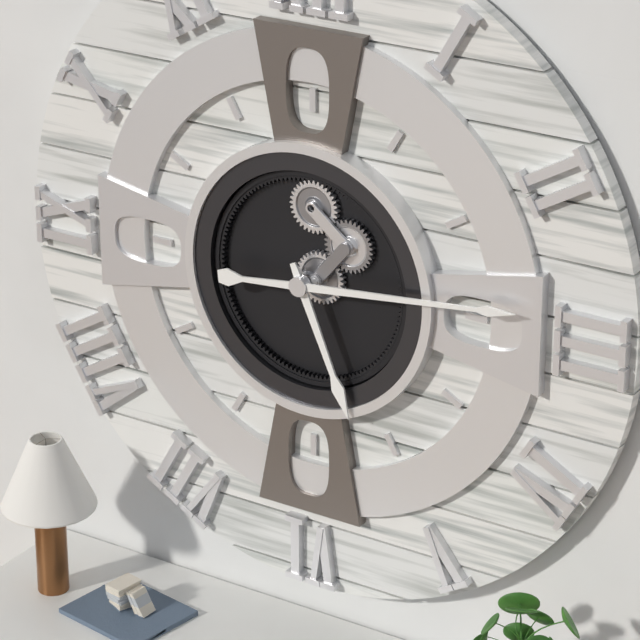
5:14
